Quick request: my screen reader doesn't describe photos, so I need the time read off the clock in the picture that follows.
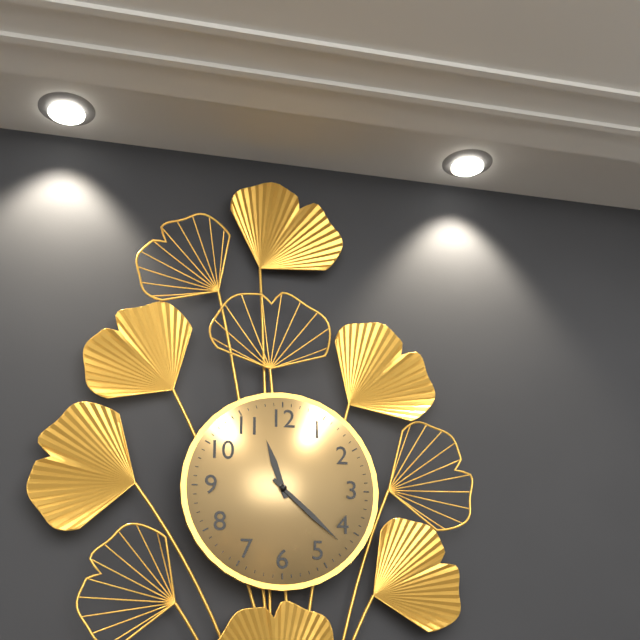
11:22
